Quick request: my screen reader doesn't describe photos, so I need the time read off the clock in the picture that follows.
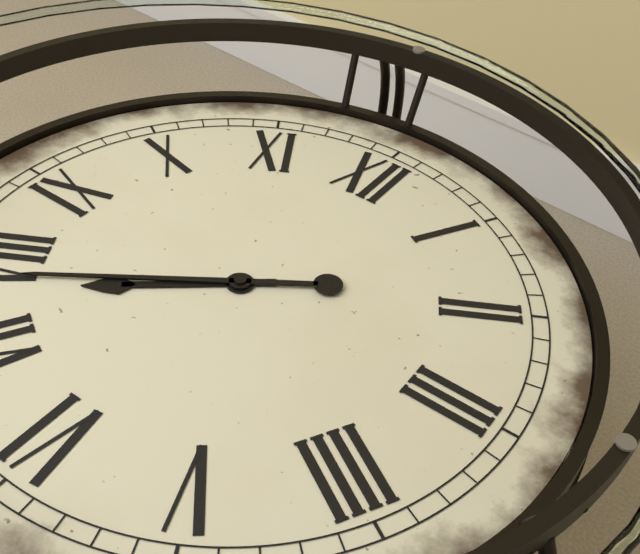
7:39
